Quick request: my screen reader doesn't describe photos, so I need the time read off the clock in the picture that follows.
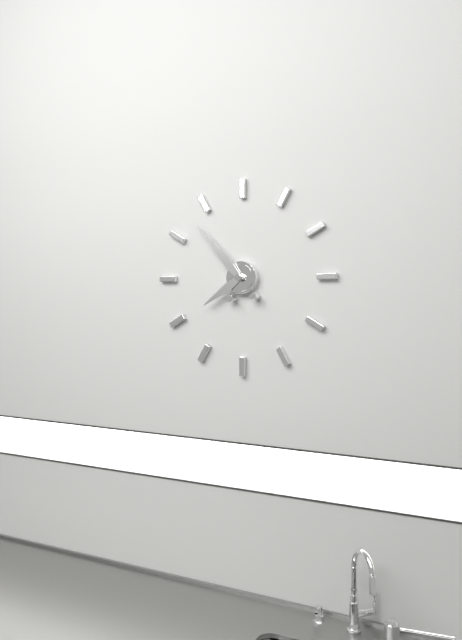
7:53
